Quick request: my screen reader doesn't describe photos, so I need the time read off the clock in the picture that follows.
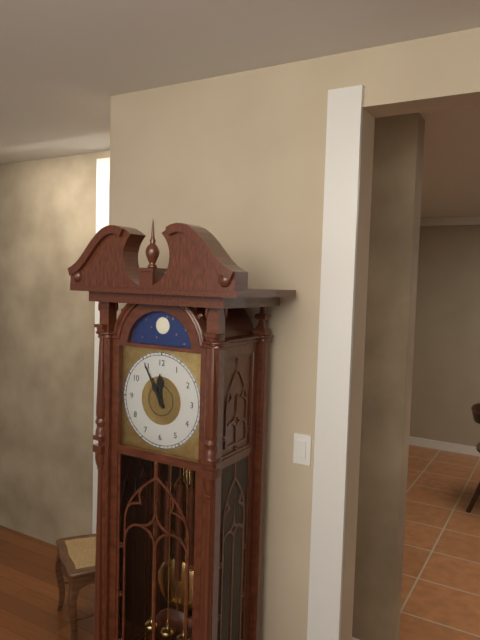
11:55
